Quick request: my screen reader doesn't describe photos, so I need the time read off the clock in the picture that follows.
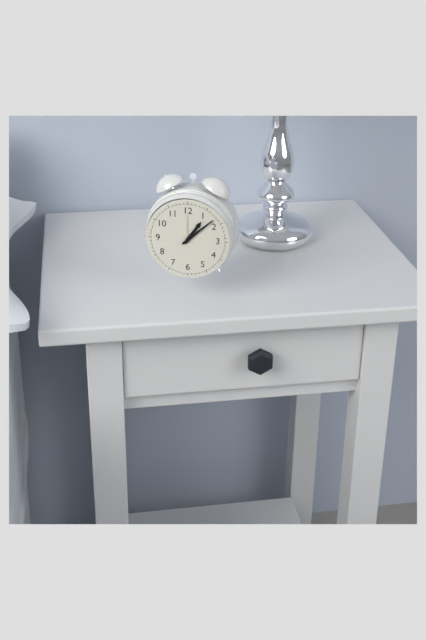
1:08
